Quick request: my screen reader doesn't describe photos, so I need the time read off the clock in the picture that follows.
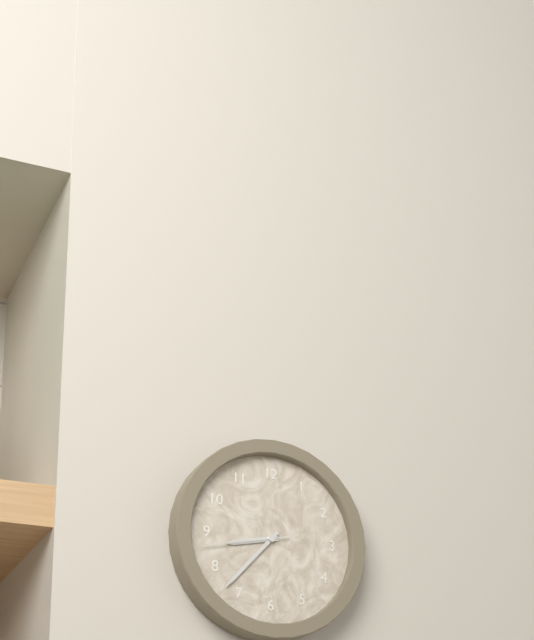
8:37:43
